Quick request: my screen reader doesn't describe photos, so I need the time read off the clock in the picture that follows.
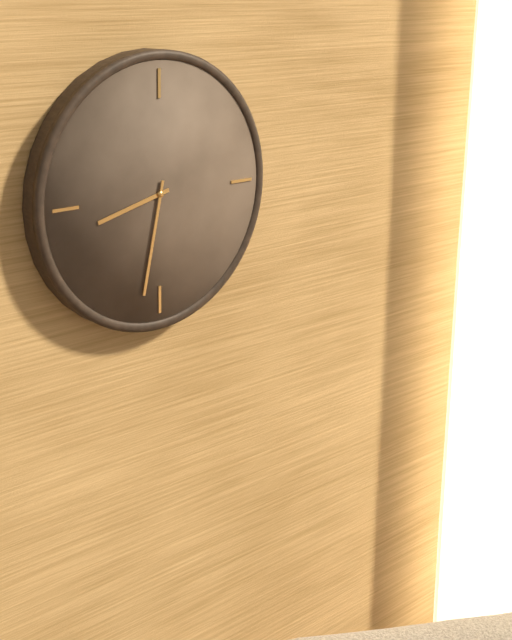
8:32
